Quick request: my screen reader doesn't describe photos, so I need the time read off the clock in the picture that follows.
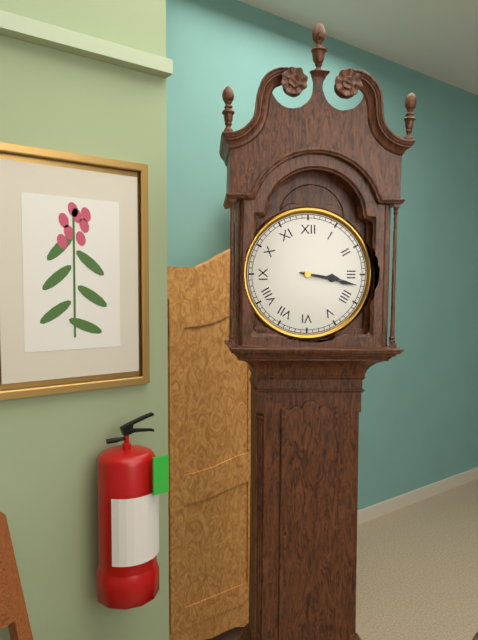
3:17
